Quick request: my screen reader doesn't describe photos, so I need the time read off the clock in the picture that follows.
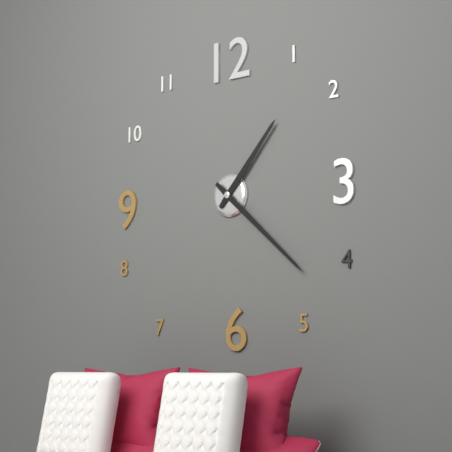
1:22
